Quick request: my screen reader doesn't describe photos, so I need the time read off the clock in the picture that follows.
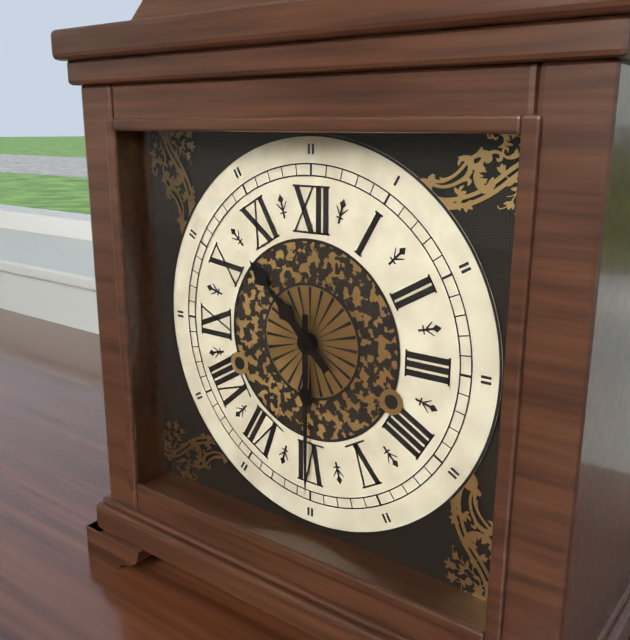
10:30
